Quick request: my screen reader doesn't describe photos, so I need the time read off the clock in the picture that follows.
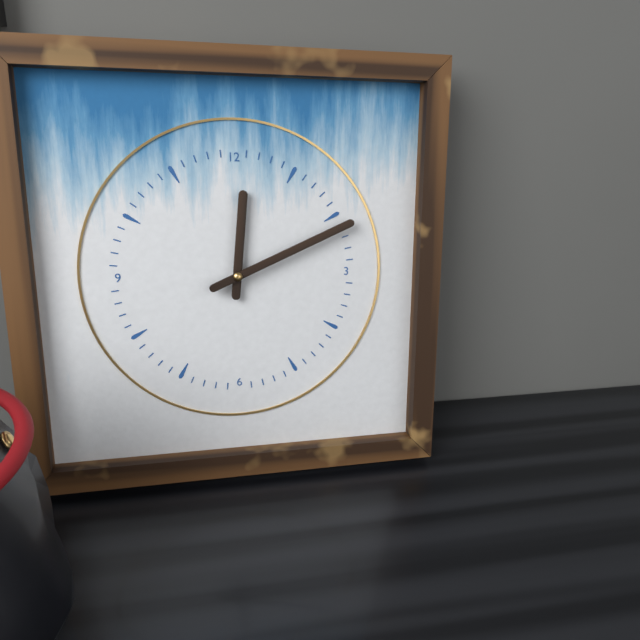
12:11
